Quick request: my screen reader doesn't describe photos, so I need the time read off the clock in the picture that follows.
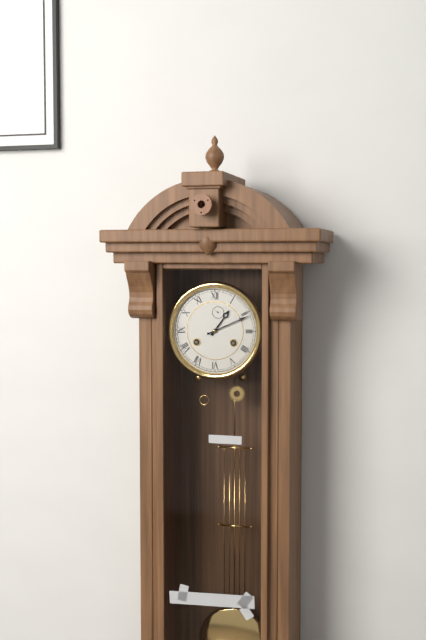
1:11
